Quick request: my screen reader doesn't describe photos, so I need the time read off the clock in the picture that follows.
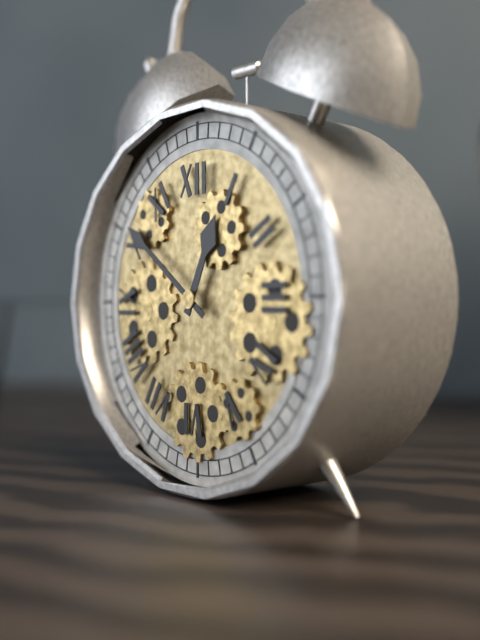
12:51
